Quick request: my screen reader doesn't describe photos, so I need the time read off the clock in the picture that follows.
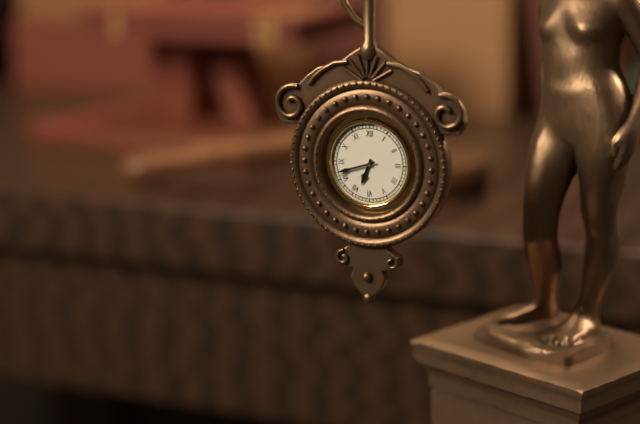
6:42
